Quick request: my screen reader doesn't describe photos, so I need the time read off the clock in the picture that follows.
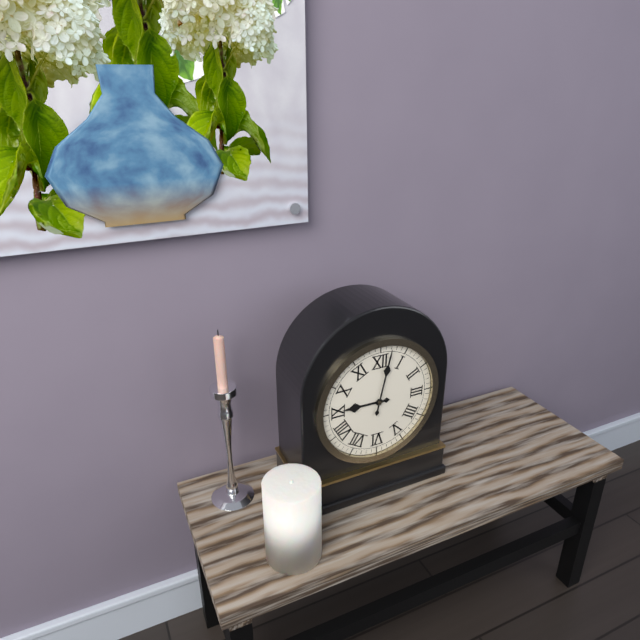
9:02
